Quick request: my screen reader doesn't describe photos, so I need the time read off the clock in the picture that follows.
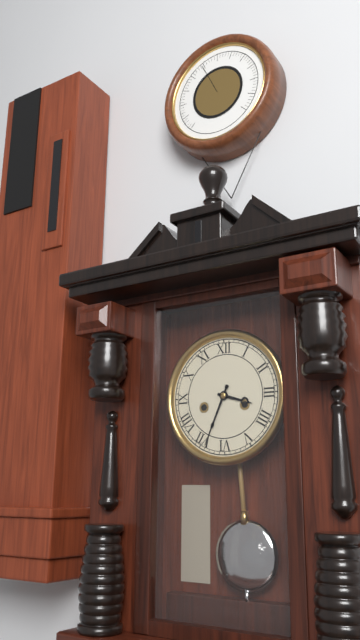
3:34
